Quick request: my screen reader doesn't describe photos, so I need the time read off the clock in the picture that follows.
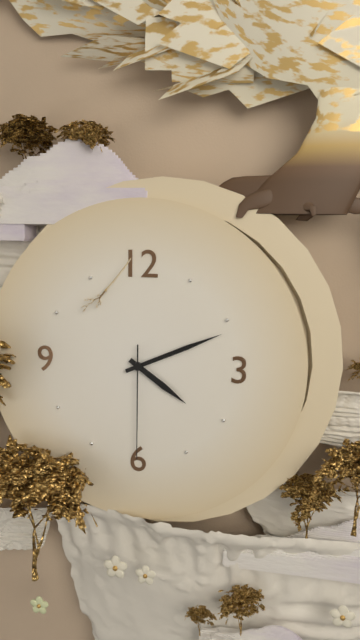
4:11:30
